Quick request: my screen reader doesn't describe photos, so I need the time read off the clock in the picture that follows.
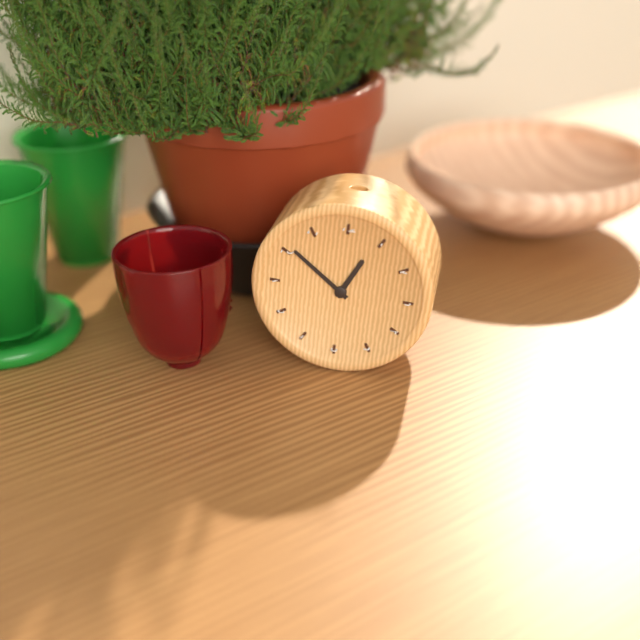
12:51
